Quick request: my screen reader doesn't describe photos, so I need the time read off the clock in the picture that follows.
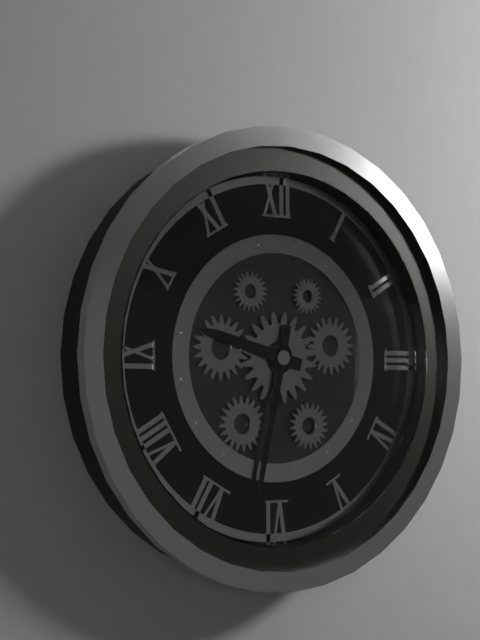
9:32
